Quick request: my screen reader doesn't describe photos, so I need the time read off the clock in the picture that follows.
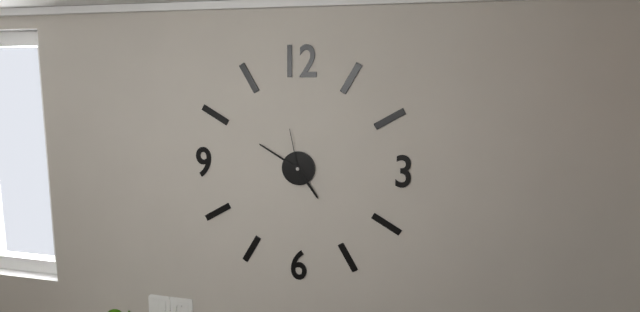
4:50:58
